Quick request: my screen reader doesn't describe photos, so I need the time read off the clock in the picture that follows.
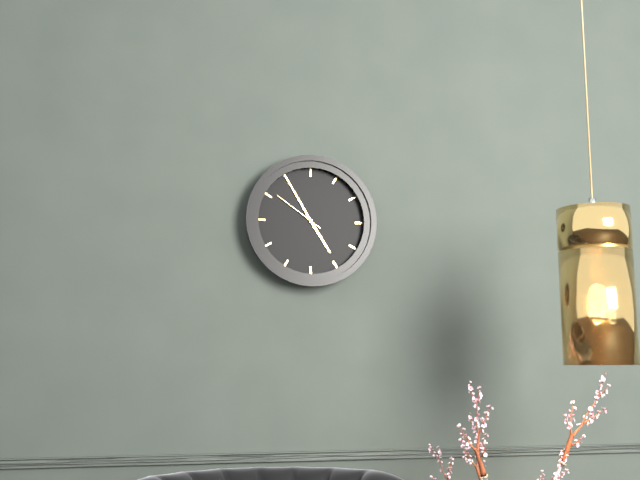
4:55:51
